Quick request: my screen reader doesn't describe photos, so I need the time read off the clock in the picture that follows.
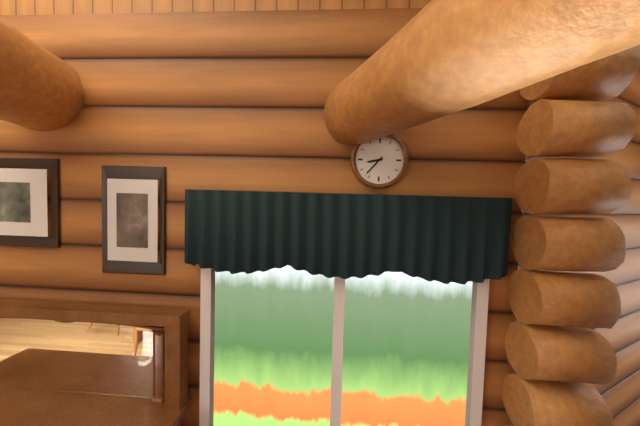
8:37
